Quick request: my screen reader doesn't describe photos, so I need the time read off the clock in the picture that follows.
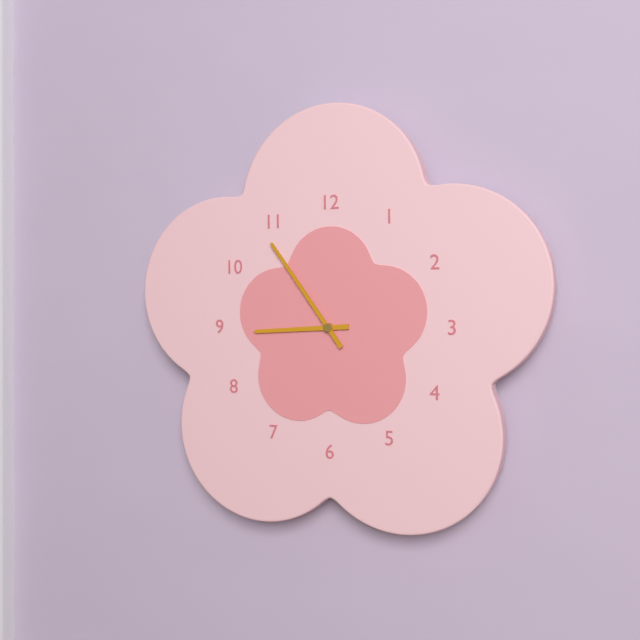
8:54
